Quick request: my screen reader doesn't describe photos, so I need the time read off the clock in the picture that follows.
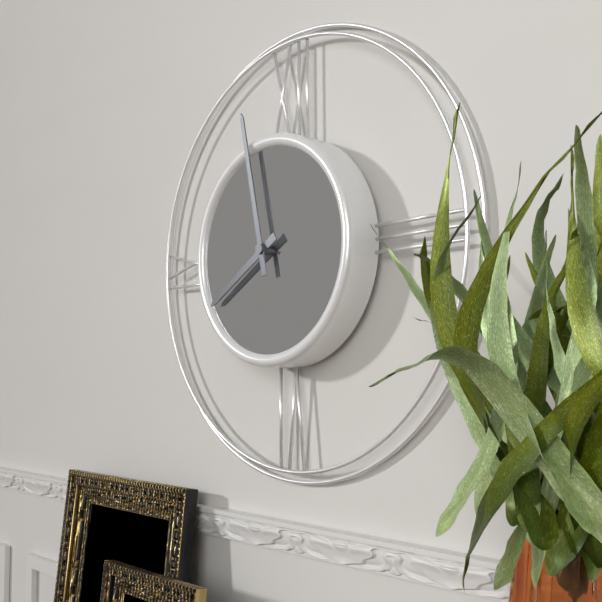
7:58
